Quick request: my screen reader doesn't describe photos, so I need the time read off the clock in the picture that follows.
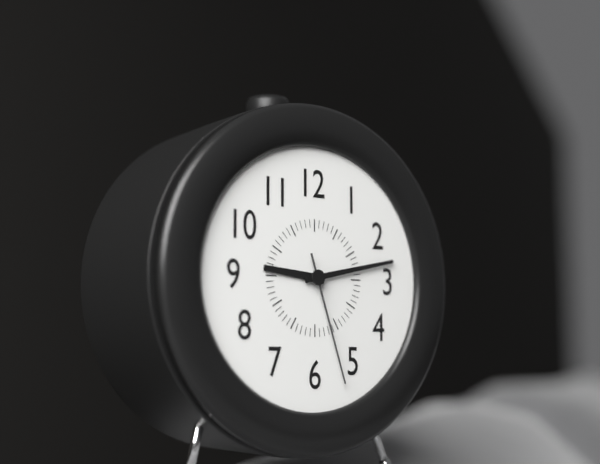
9:13:27
